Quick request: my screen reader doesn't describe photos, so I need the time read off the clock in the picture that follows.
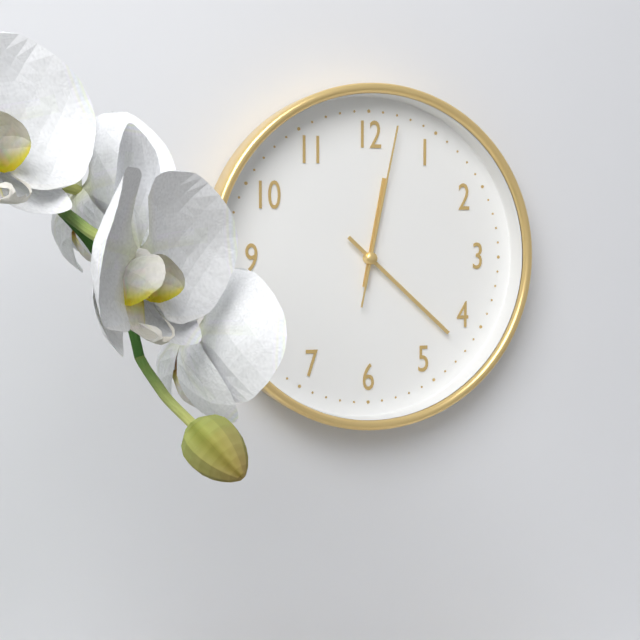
12:22:02
